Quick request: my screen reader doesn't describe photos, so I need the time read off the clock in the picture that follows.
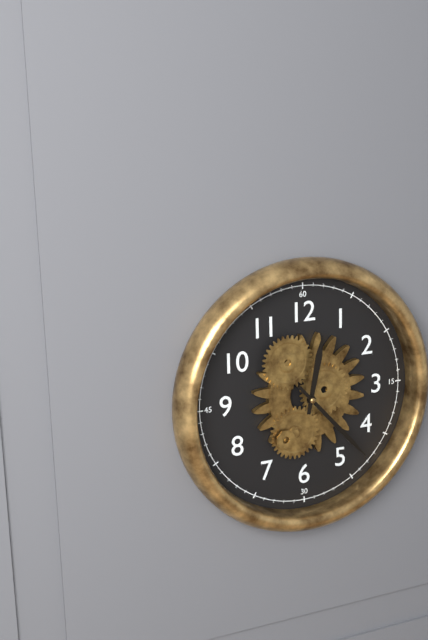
12:23
